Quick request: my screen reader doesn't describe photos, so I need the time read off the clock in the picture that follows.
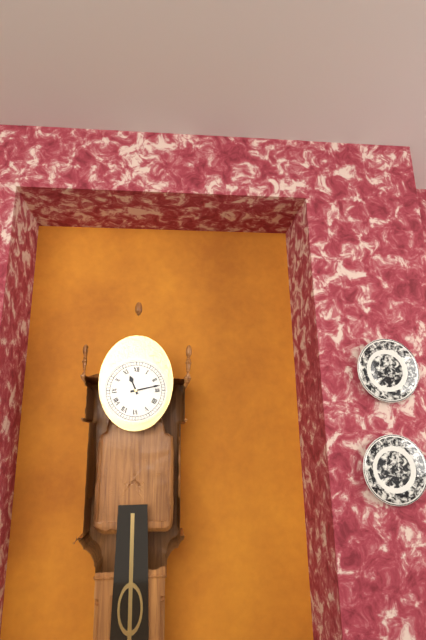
11:13
